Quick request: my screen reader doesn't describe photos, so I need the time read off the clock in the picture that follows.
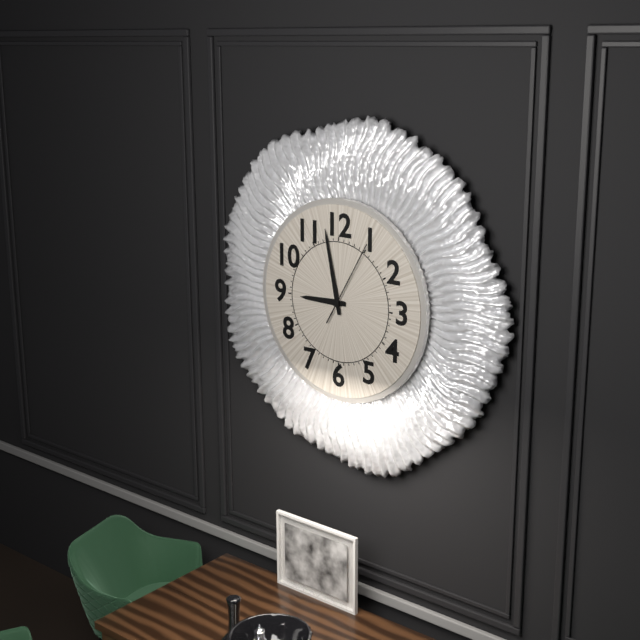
8:58:05
